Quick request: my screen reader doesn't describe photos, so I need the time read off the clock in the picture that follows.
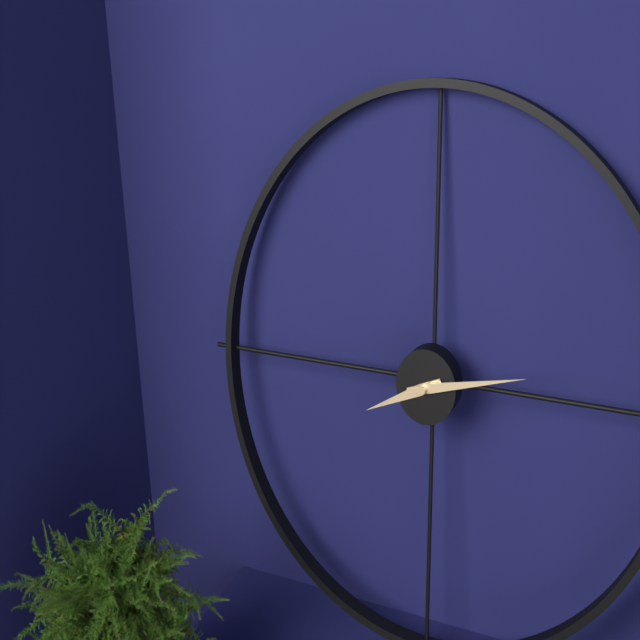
8:13
